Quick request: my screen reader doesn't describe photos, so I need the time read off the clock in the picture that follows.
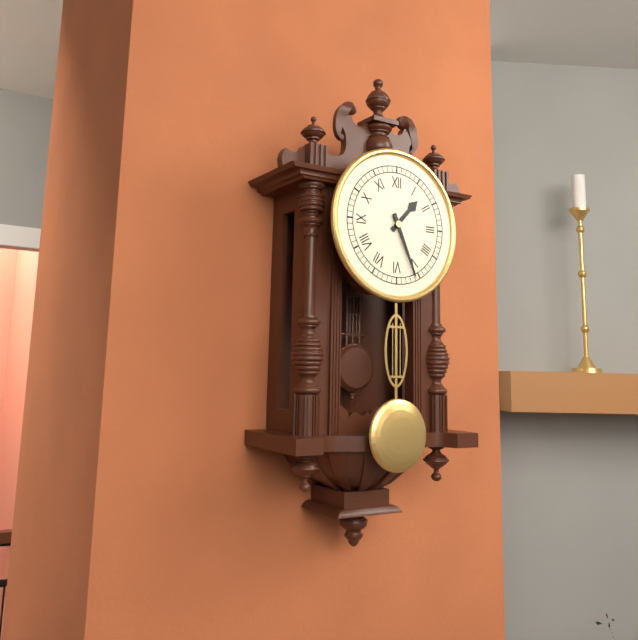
1:26
